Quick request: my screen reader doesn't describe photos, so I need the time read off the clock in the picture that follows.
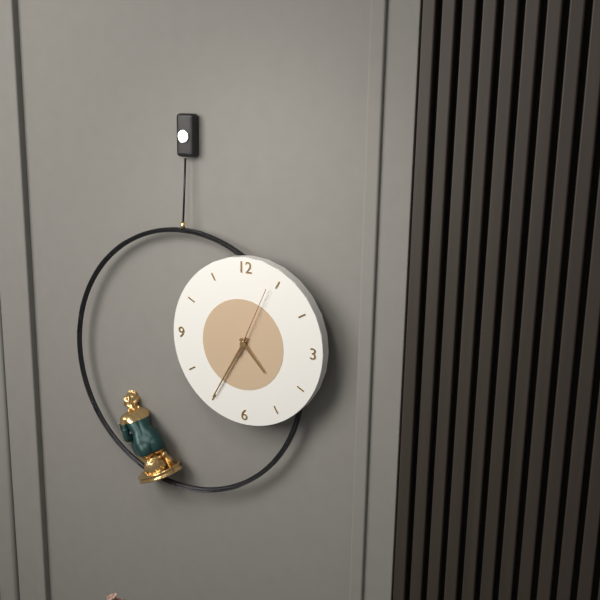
4:35:04
